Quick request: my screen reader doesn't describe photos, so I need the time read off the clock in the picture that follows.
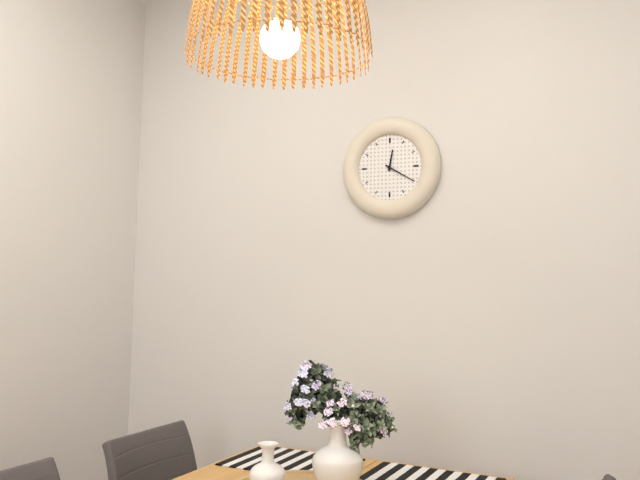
12:20
